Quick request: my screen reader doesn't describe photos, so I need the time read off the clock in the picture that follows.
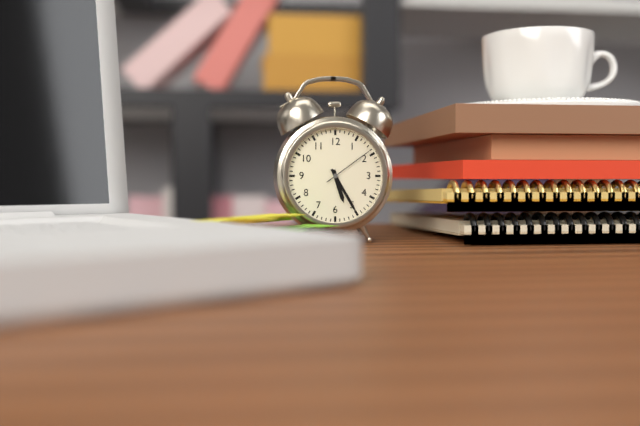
5:25:09
